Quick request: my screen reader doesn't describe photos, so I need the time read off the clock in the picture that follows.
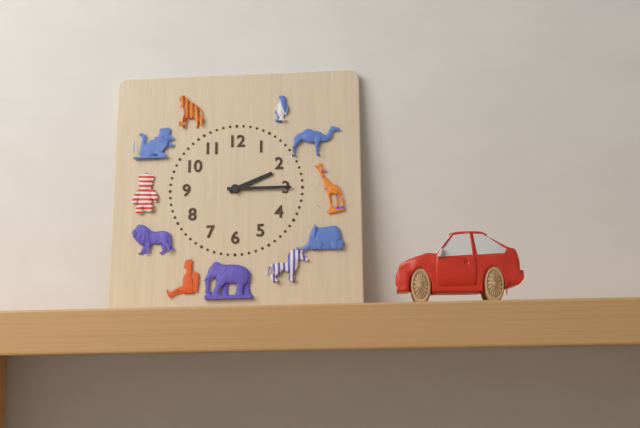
2:15
